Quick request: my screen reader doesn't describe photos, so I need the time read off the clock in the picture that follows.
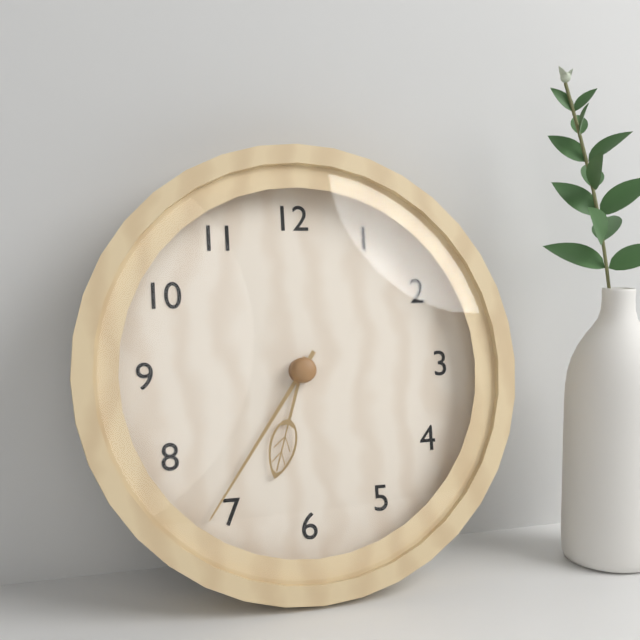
6:36
